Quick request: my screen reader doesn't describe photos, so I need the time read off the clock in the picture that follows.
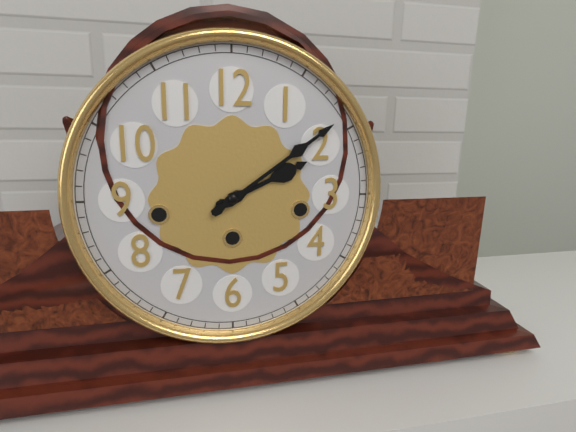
2:09
